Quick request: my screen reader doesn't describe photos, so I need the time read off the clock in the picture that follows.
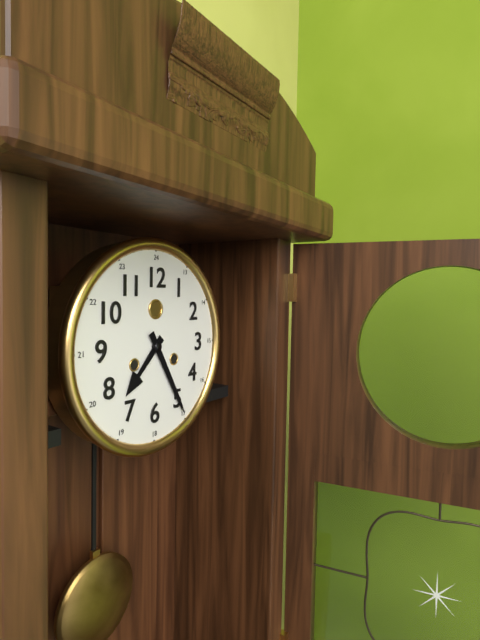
7:25
